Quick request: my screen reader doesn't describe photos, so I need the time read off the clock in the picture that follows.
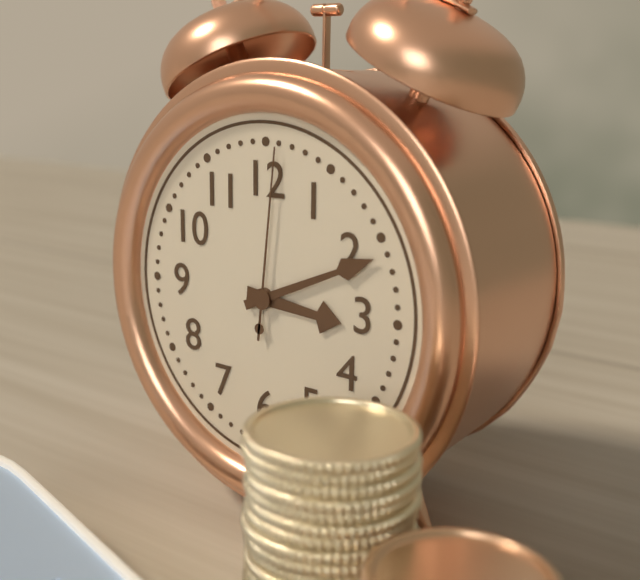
3:11:01
